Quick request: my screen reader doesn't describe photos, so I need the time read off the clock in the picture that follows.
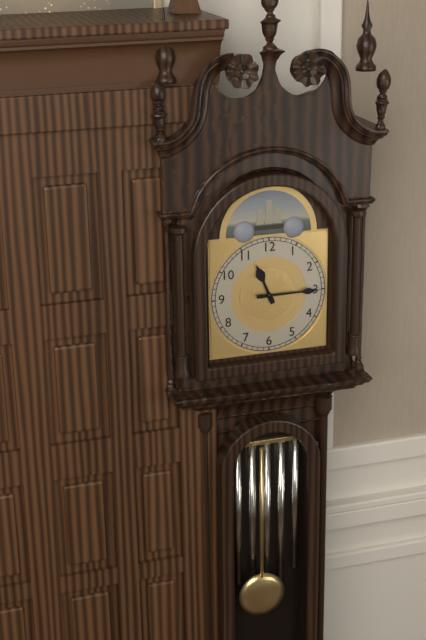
11:15
